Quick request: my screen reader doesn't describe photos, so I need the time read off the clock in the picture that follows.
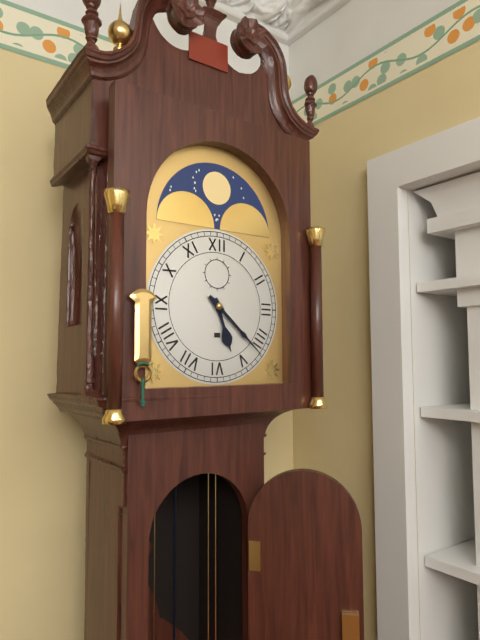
5:22
